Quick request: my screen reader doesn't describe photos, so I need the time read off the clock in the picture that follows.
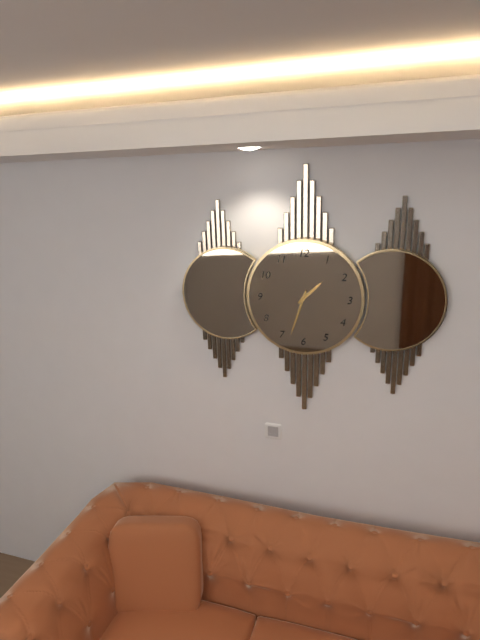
1:33
